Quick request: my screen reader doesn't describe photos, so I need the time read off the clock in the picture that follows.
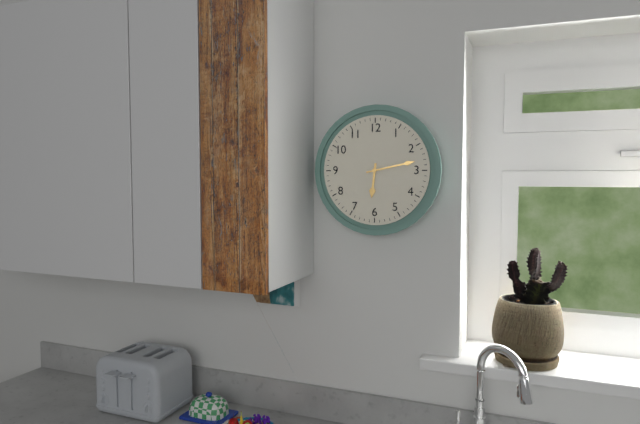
6:13
